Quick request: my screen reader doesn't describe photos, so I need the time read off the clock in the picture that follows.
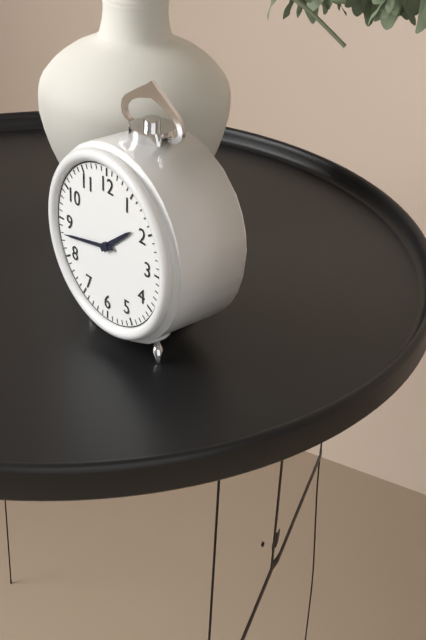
1:43
